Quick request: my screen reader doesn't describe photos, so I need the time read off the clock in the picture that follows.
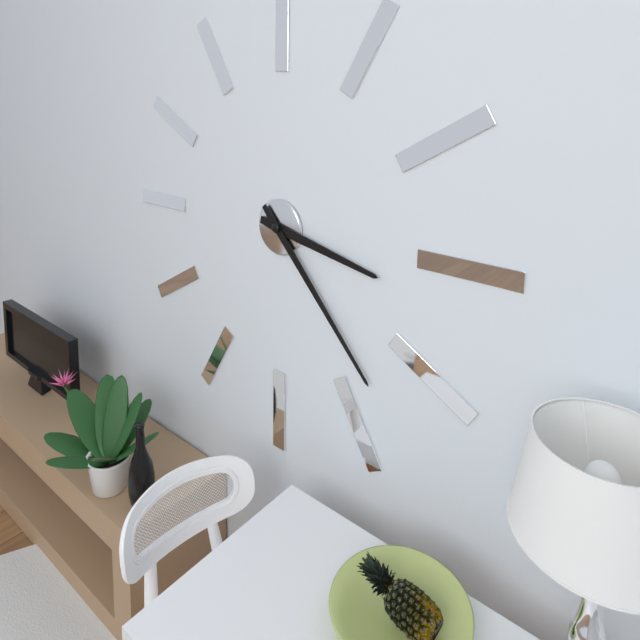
3:23
